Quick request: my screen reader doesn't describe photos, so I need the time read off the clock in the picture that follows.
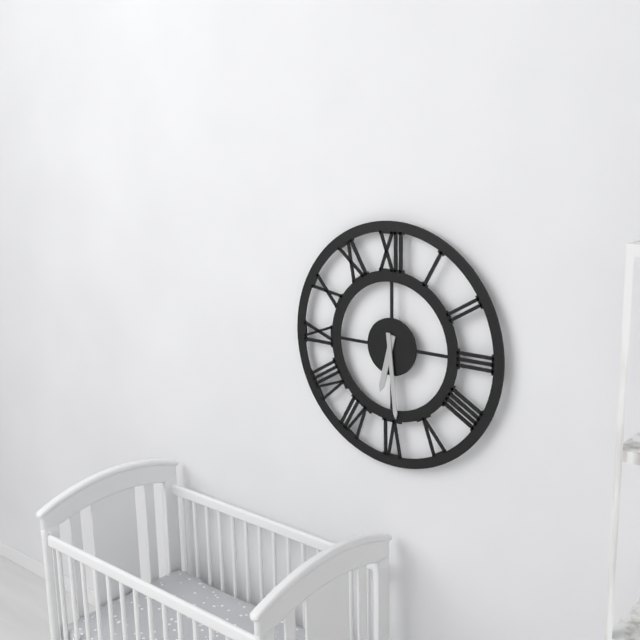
6:29
